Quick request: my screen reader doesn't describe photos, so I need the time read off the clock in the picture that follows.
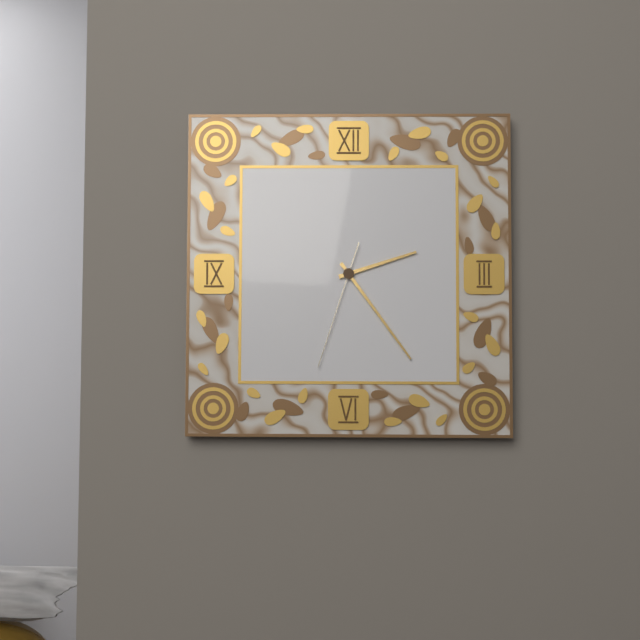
2:24:33
